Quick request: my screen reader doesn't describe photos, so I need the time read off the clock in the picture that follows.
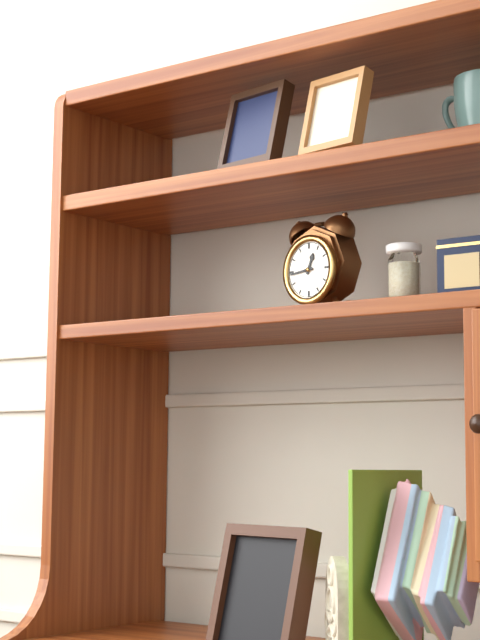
12:44
